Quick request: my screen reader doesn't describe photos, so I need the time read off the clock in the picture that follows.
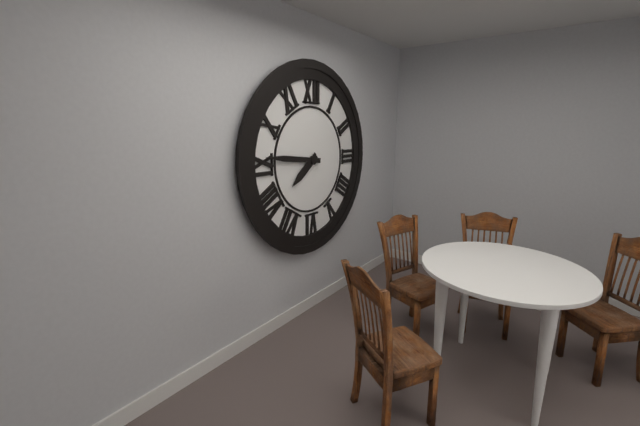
7:46
